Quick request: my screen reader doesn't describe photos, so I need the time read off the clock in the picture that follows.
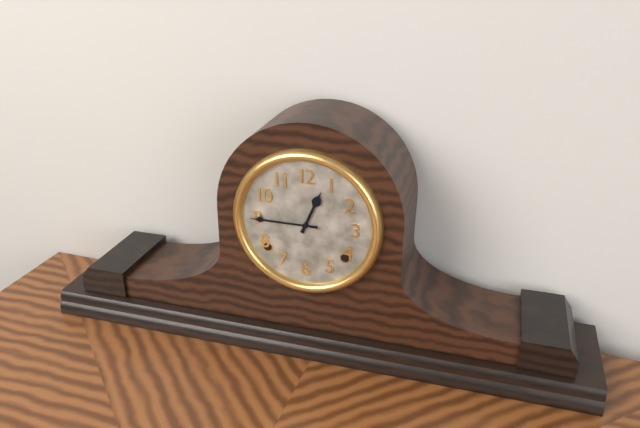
12:45
